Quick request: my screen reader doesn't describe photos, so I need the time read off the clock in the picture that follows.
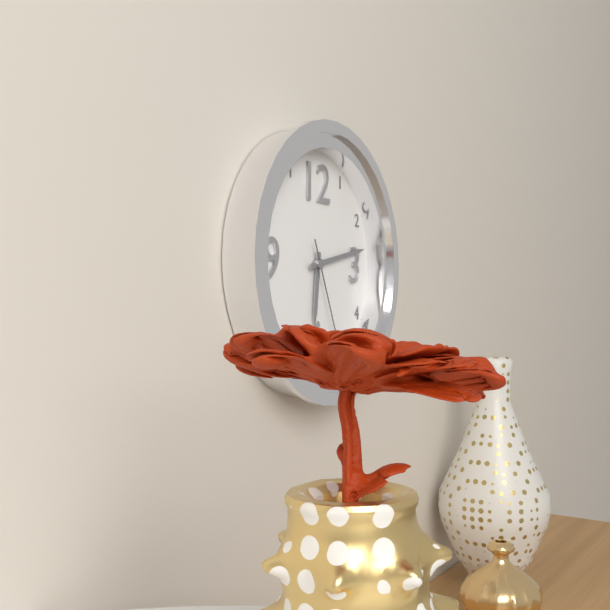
6:13
